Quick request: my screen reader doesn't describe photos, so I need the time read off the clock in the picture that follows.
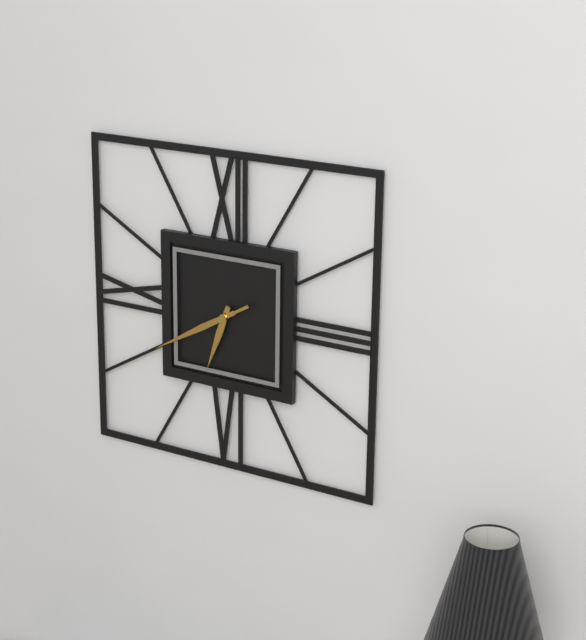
6:40:40
